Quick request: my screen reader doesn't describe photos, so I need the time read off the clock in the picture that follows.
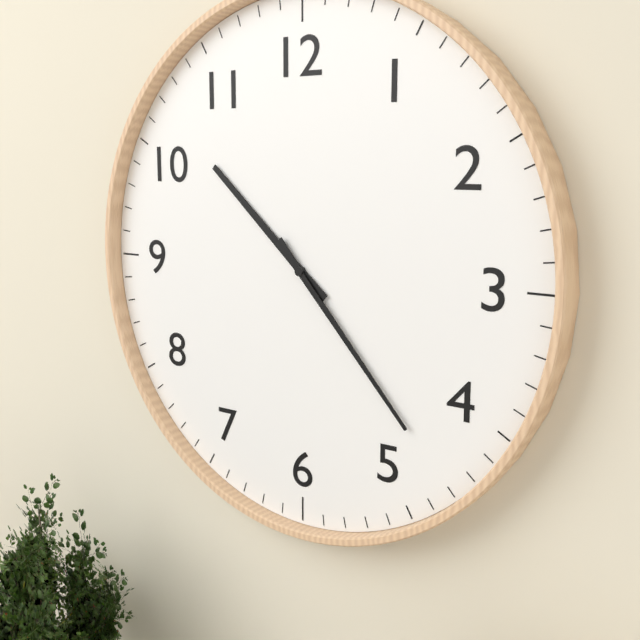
10:23
